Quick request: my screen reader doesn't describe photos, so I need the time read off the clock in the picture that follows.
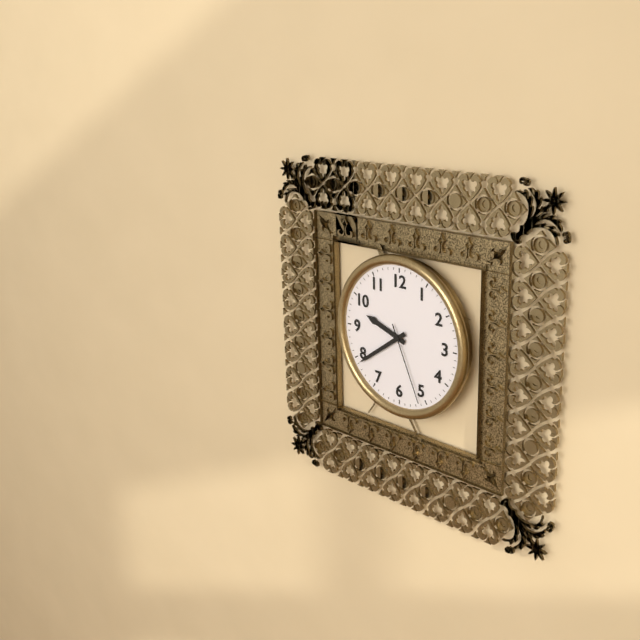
9:39:26
